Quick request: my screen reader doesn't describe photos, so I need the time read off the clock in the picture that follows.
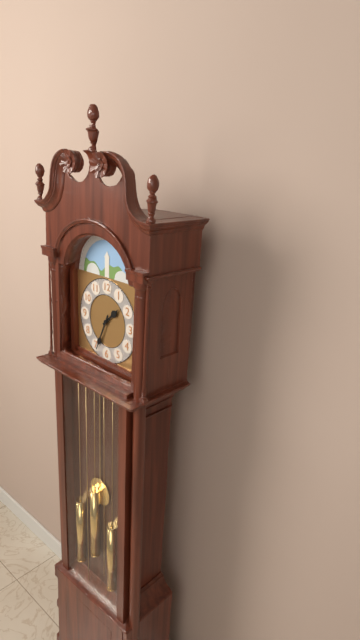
1:34
